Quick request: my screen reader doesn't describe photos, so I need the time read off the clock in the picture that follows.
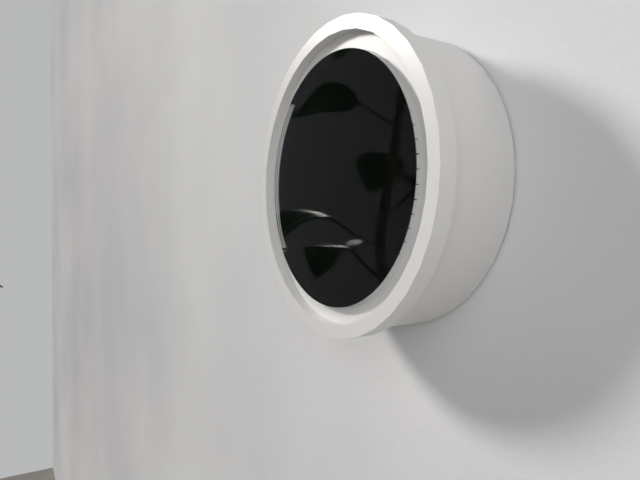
7:53:27
